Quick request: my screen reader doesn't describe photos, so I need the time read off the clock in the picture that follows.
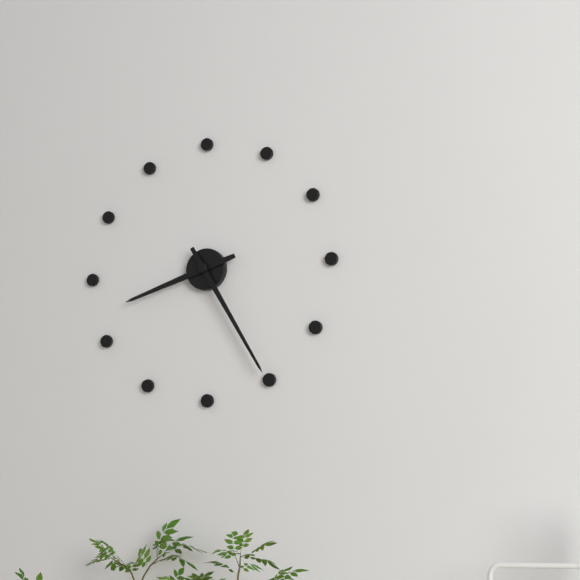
8:25
